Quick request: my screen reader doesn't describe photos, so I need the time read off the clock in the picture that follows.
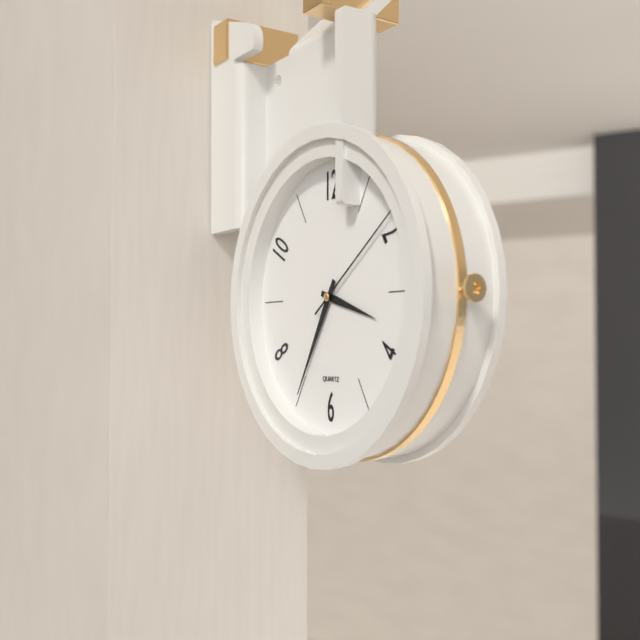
3:35:09
